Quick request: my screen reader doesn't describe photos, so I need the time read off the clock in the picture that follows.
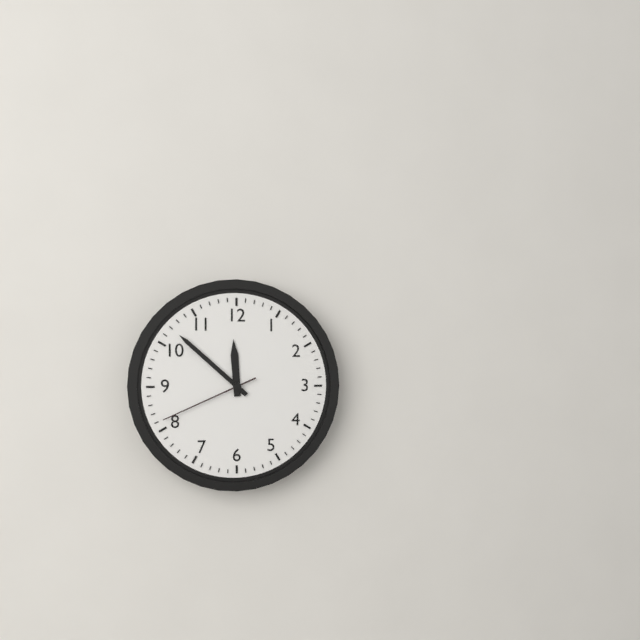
11:52:41
